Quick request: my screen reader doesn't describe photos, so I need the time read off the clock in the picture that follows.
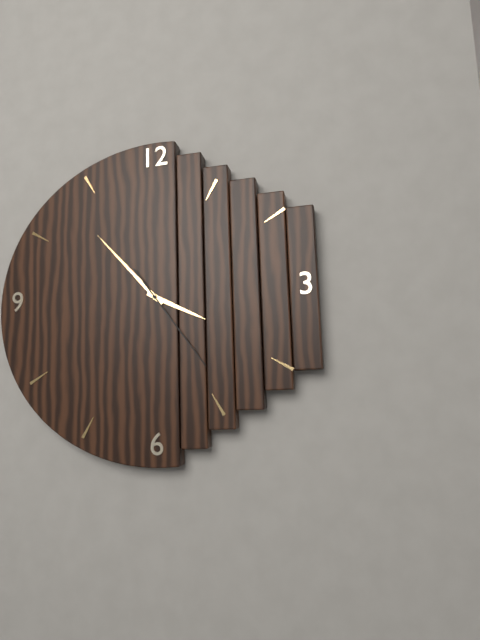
3:53:24
